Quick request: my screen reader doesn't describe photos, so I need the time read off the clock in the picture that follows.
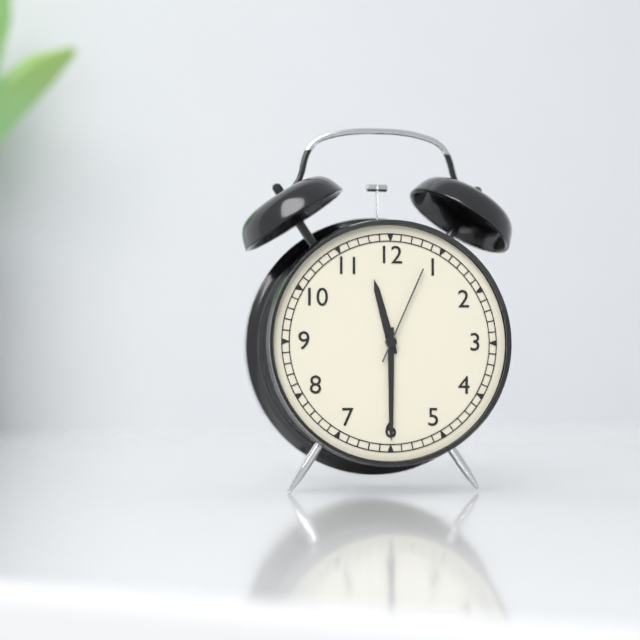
11:30:04
